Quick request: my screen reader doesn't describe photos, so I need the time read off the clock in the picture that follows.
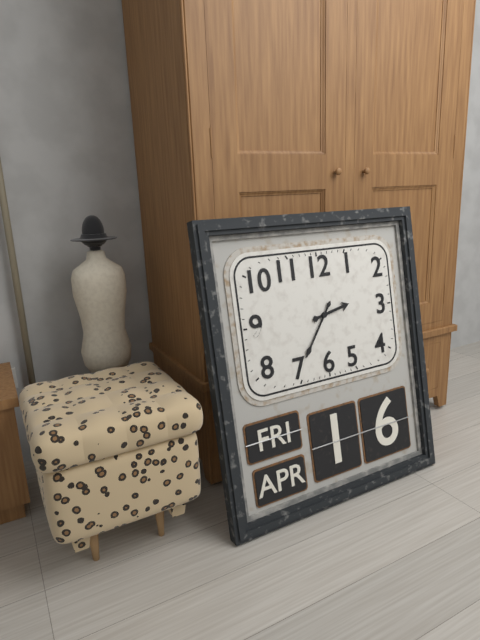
2:36
